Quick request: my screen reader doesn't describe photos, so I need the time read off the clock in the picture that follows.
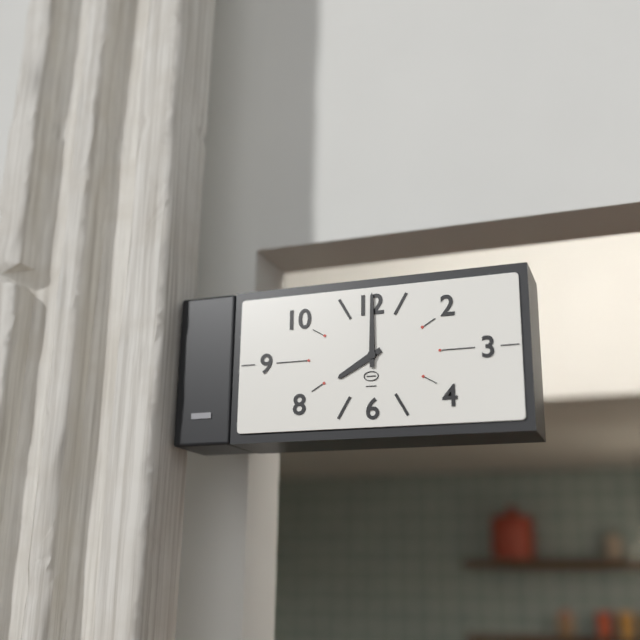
8:00
